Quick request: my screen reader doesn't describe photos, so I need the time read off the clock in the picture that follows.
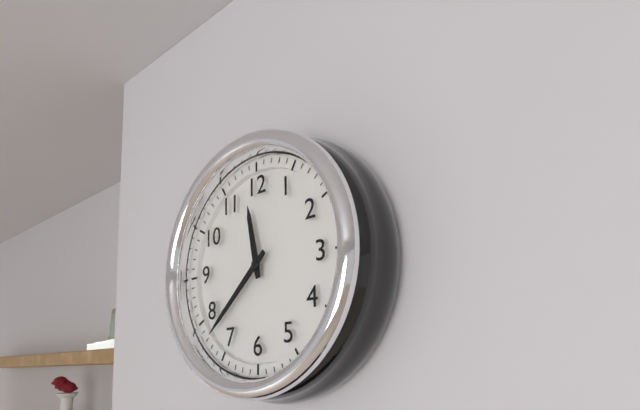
11:38
